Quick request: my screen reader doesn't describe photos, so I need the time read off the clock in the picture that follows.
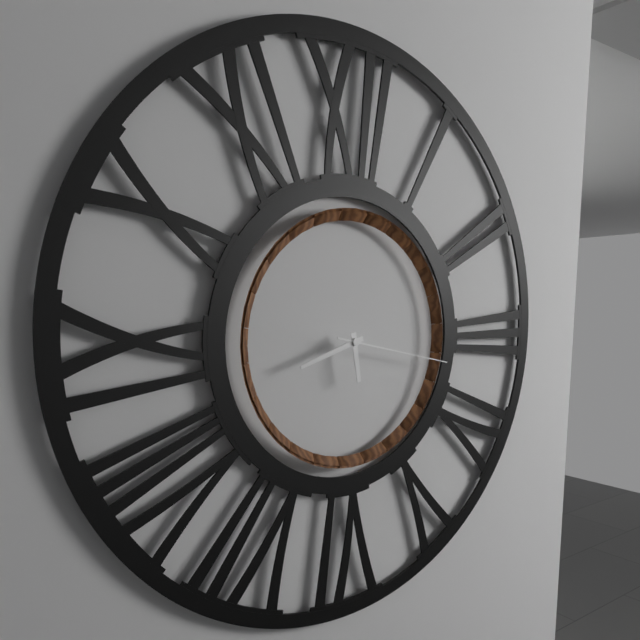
5:42:17
